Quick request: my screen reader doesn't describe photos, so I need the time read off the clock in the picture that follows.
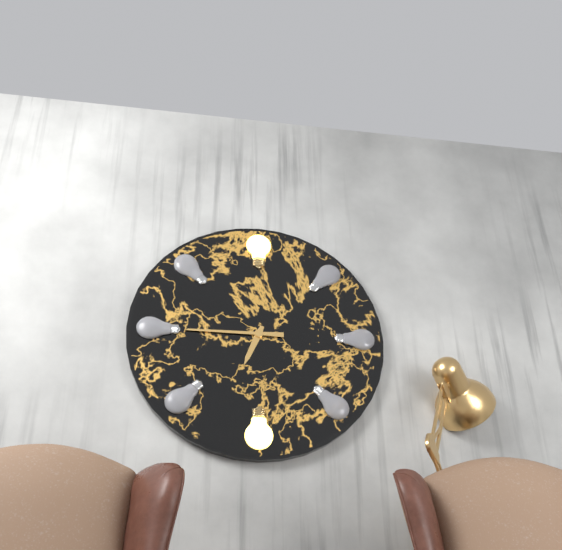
6:45
